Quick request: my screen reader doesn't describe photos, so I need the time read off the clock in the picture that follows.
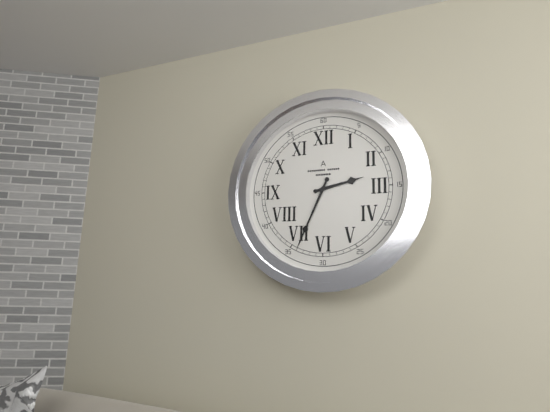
2:34
